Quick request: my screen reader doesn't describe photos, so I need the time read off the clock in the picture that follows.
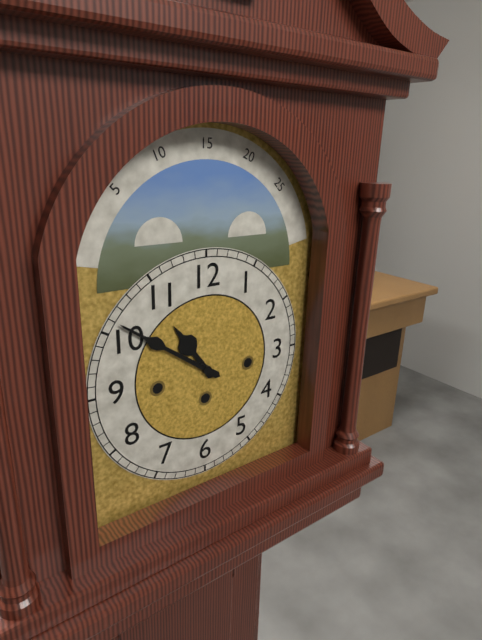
10:51
